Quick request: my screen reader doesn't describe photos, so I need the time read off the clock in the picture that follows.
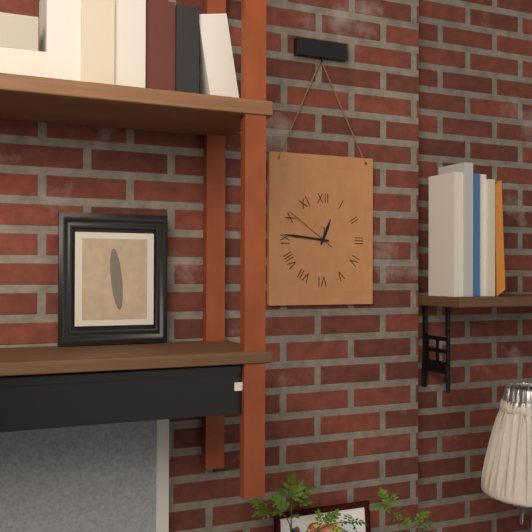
12:46:51
